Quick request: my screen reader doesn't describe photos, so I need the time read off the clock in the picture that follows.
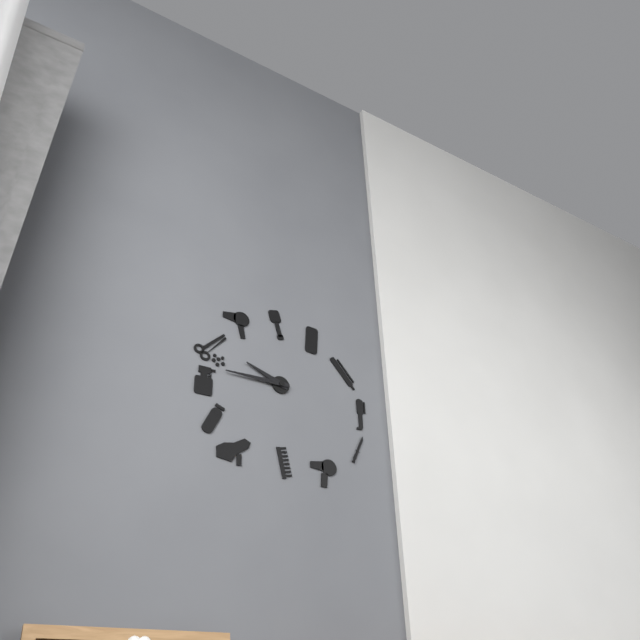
9:45
